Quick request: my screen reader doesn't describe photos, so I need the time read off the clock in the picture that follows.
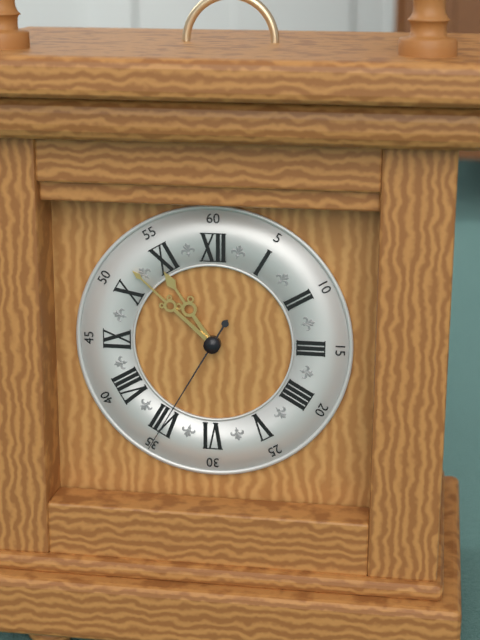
10:52:35
